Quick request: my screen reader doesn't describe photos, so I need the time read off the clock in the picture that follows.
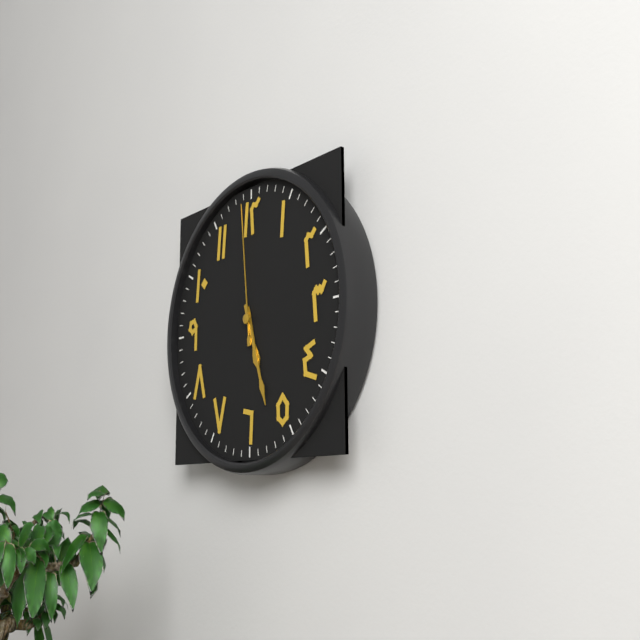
5:27:59
